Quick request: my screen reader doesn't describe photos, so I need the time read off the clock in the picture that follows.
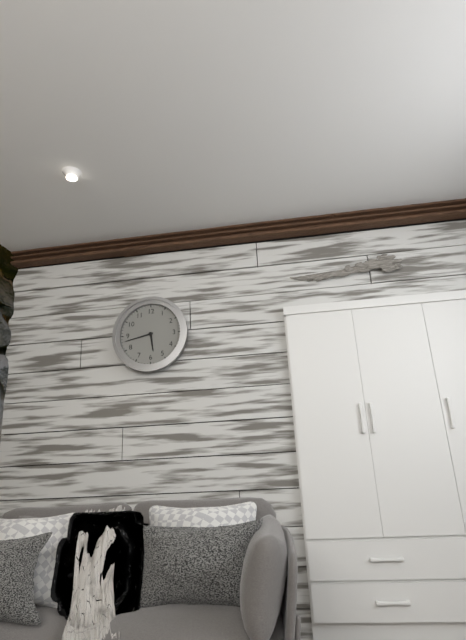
5:43
